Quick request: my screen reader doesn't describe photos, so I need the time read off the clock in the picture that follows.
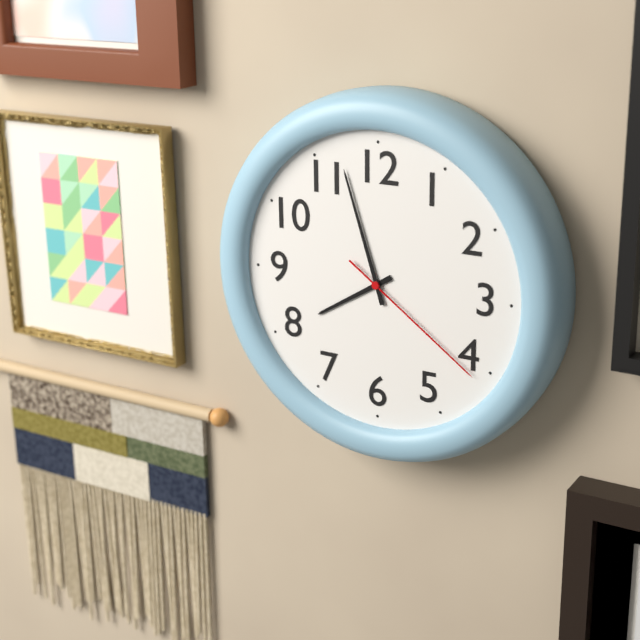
7:57:21
